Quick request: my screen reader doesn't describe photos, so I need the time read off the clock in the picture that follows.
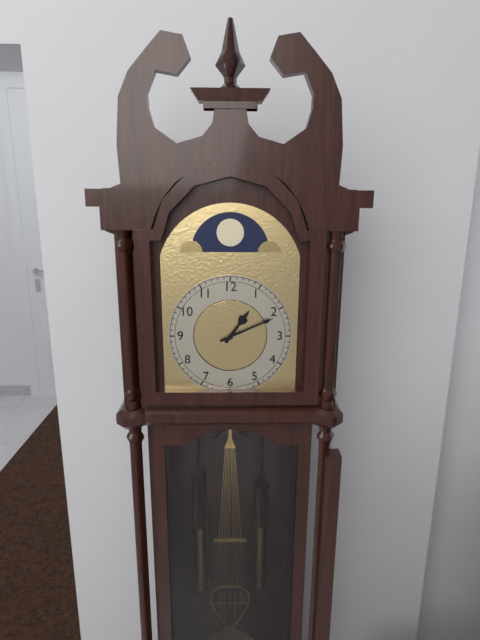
1:11
